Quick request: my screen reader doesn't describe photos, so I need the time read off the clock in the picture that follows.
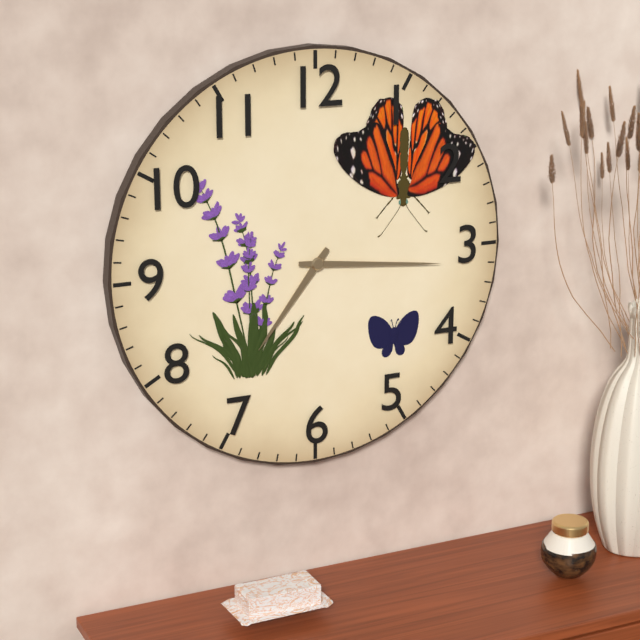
7:16
